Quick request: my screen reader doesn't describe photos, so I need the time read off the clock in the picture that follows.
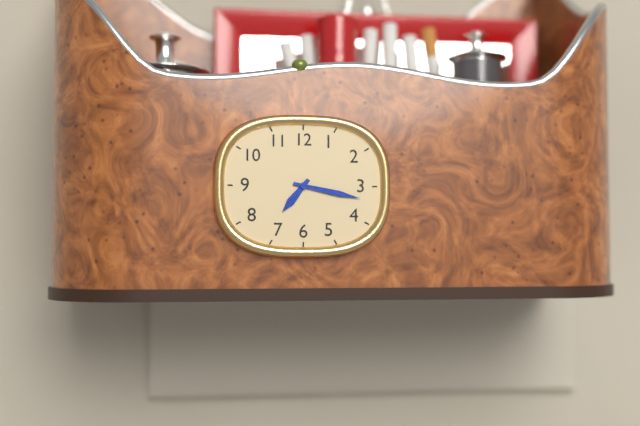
7:17
